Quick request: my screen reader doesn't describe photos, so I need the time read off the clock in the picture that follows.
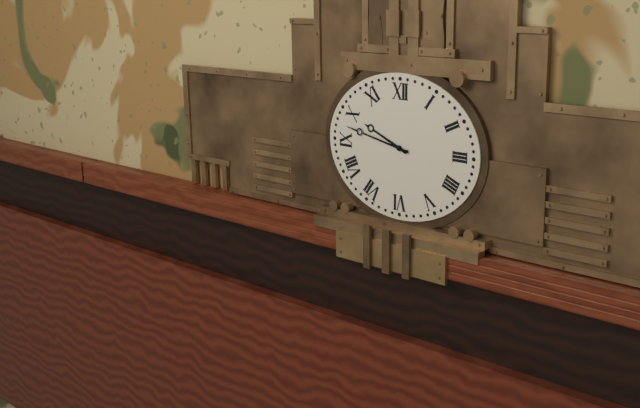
9:47
